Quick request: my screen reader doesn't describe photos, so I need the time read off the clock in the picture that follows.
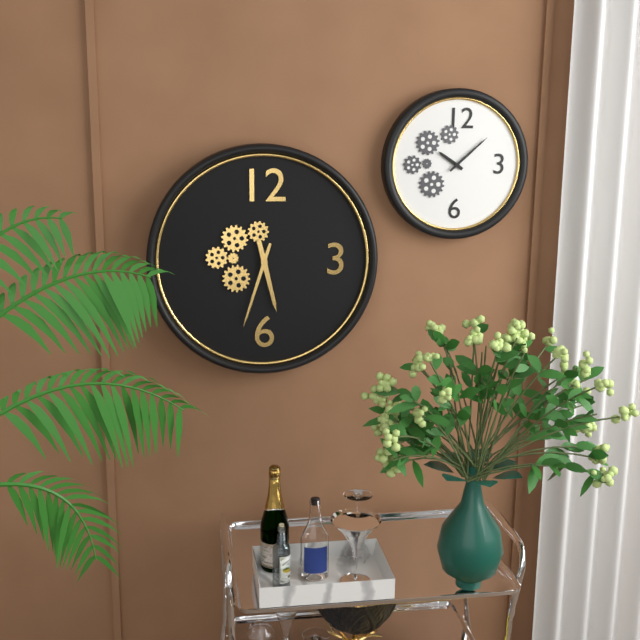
5:33
